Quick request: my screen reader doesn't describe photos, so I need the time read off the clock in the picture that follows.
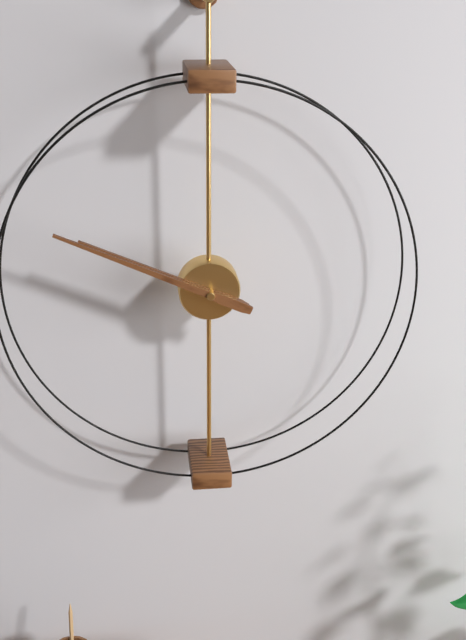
9:49
